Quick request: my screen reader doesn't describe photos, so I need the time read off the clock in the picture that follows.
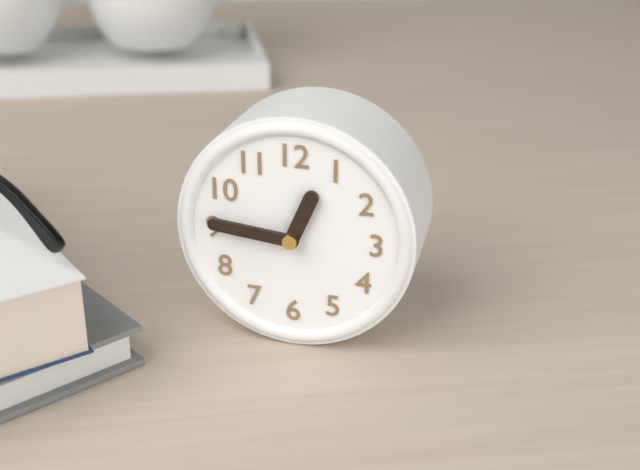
12:46
